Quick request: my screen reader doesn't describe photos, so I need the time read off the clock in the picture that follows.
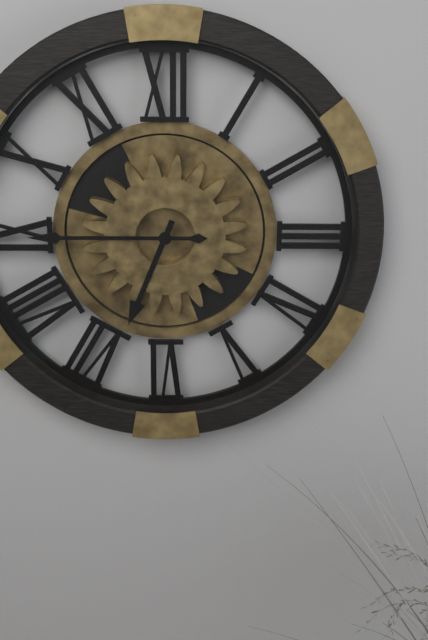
6:45
